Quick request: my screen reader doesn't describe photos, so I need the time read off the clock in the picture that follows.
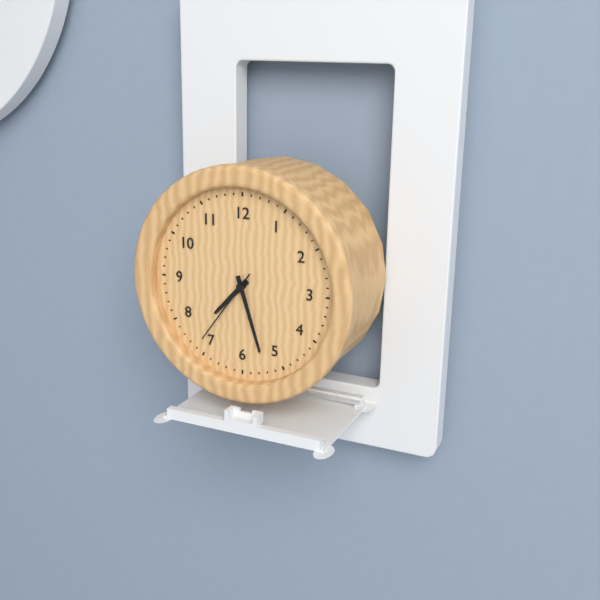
7:27:36
